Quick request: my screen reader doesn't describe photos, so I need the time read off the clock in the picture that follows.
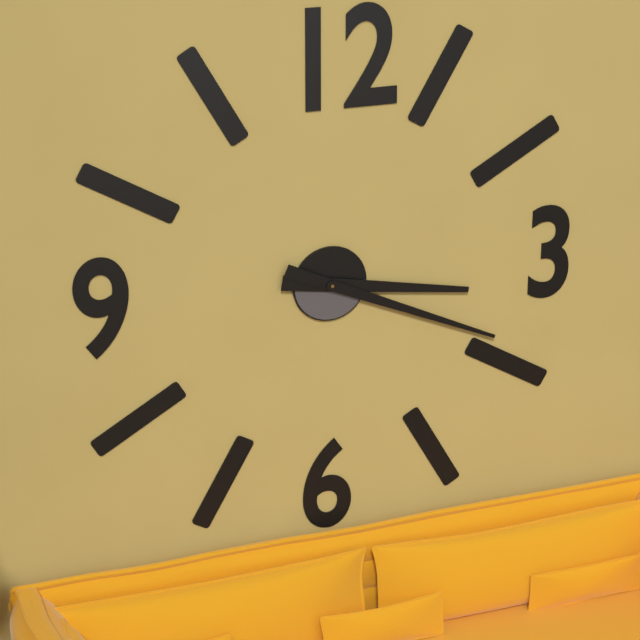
3:19
